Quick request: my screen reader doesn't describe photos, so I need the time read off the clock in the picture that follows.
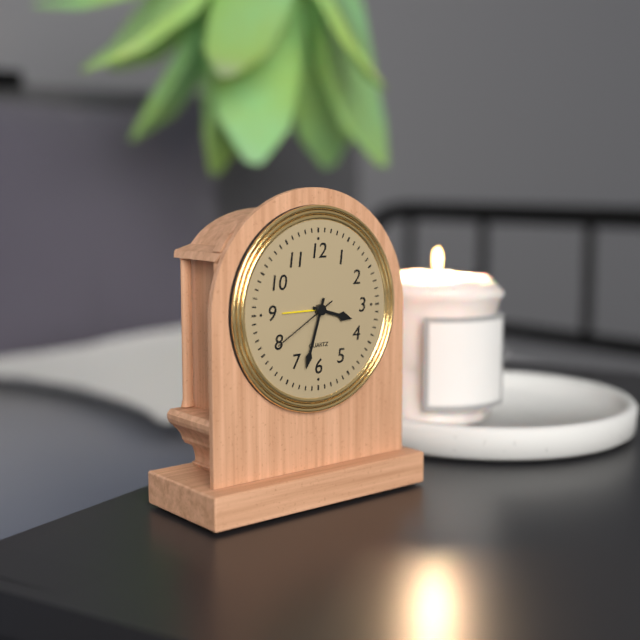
3:33:40
